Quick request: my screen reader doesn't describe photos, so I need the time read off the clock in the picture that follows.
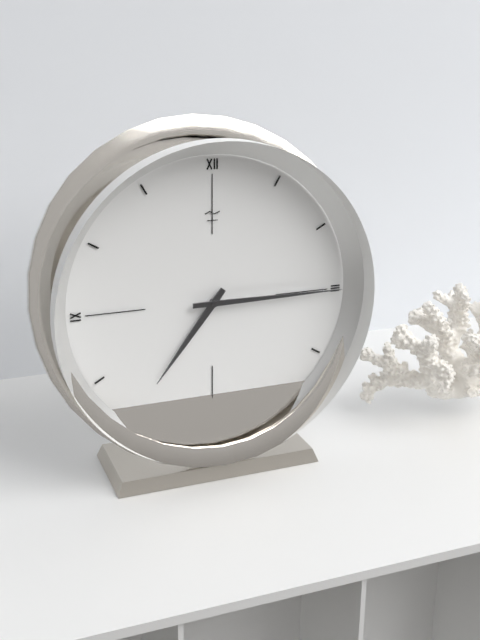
7:15
